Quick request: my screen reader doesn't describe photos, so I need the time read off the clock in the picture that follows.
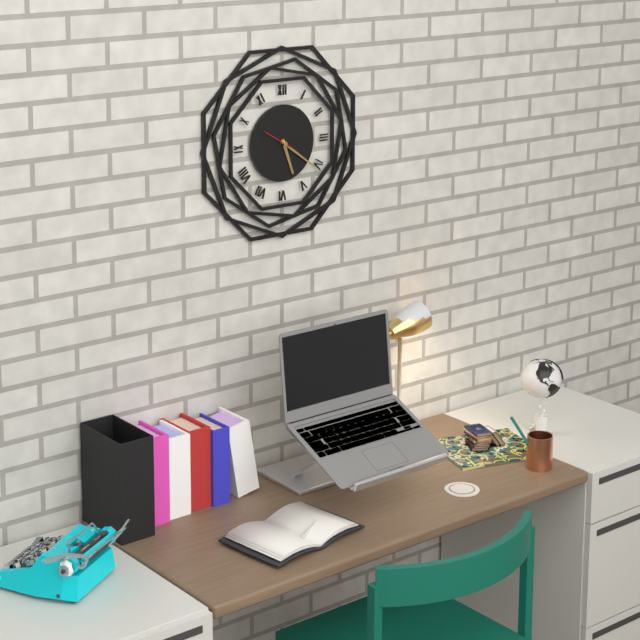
5:21
